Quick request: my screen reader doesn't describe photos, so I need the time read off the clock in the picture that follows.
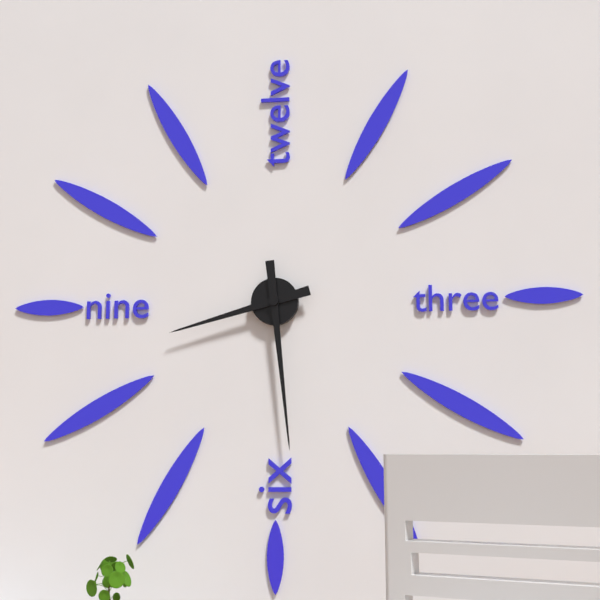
8:29
